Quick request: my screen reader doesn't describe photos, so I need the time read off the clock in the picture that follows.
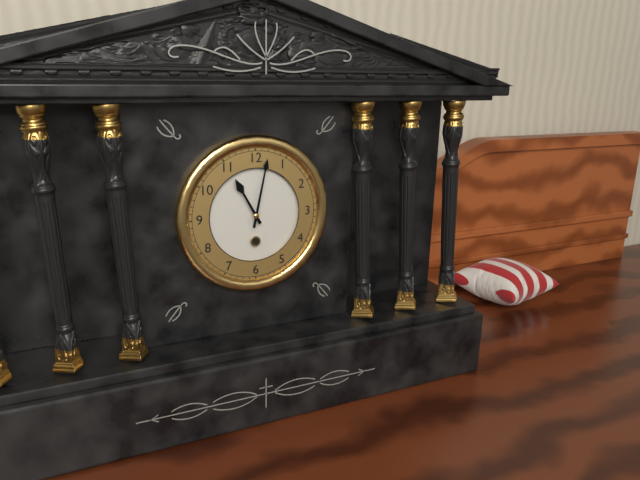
11:02
